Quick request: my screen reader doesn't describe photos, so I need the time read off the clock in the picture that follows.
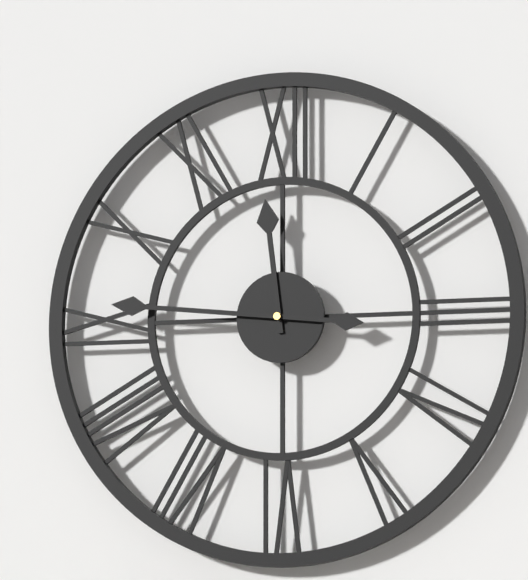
11:46
